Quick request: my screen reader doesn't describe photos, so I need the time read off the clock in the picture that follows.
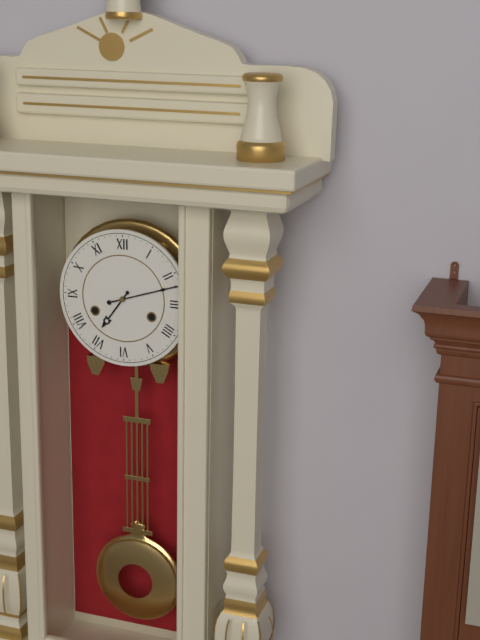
7:12
